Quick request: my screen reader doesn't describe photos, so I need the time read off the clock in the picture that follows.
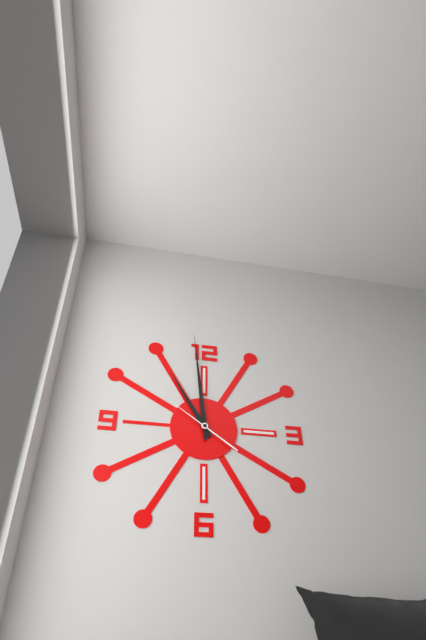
10:59:51
